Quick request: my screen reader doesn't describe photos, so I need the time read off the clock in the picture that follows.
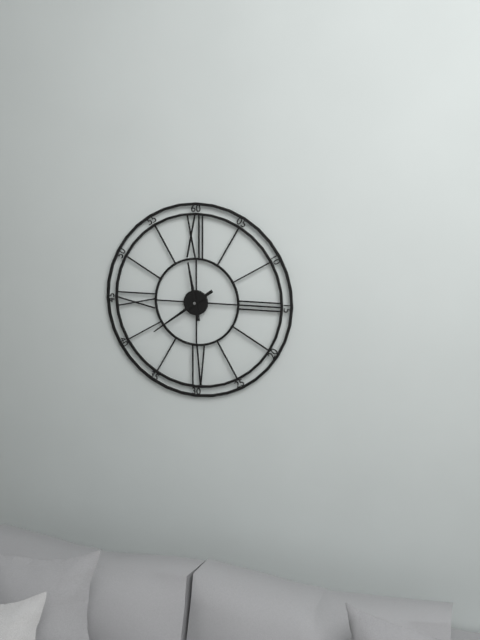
11:39
